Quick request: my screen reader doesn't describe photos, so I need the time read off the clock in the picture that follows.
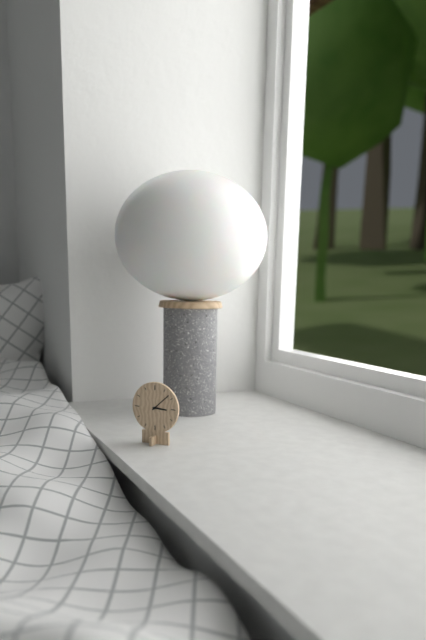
3:08
